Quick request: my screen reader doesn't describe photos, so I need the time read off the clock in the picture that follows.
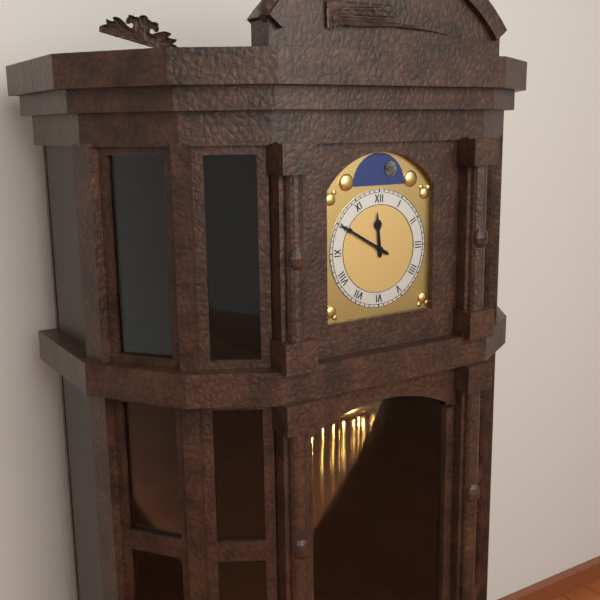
11:50
